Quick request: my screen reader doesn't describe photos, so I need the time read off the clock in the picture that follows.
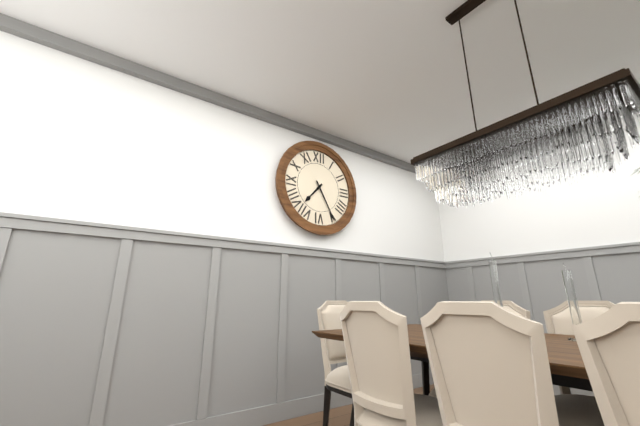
7:25
